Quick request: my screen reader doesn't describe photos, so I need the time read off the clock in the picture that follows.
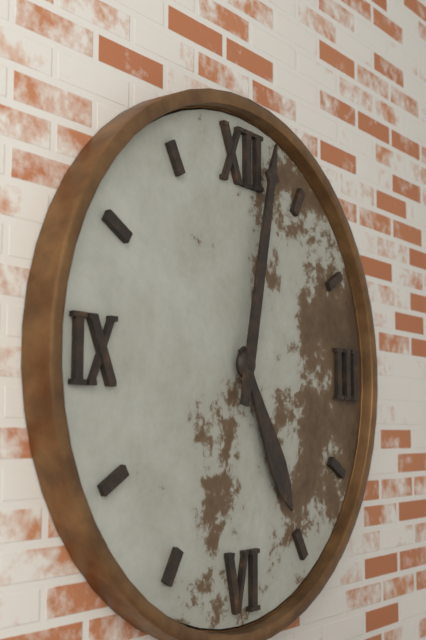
5:02
